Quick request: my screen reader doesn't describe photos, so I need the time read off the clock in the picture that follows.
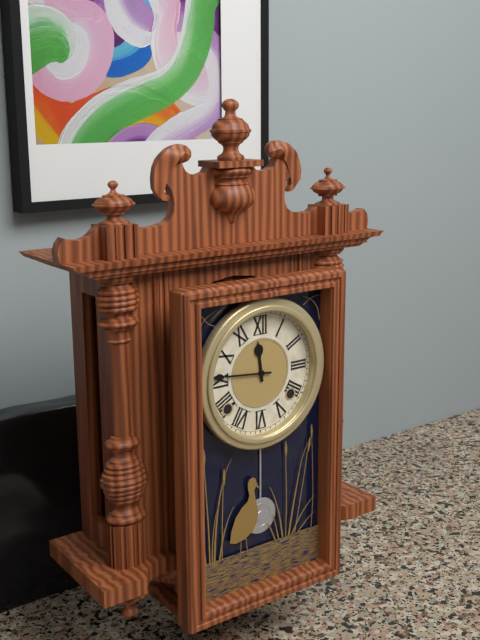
11:46
